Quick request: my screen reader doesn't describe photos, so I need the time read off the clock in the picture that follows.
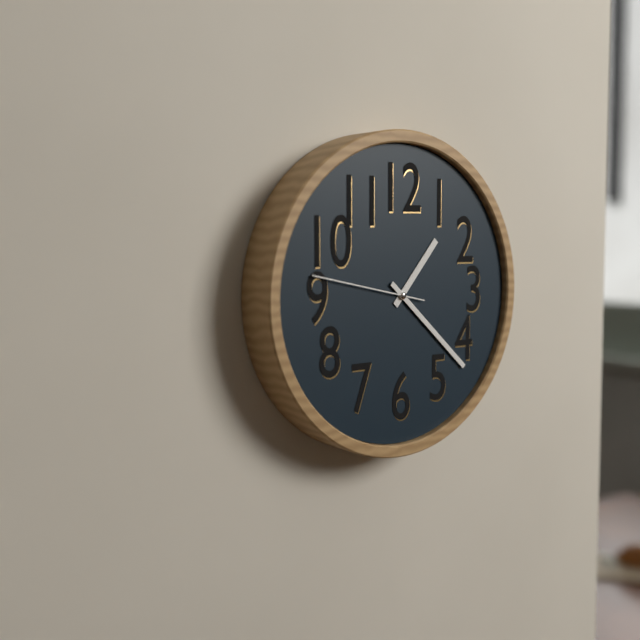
1:22:47
